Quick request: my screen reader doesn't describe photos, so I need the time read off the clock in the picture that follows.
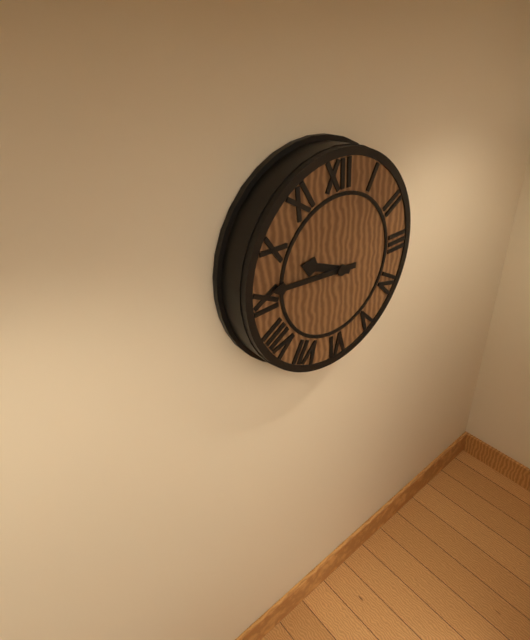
9:46
